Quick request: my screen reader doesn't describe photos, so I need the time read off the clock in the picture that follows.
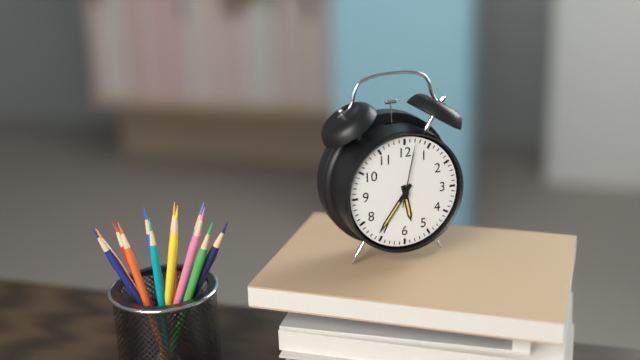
5:36:02
